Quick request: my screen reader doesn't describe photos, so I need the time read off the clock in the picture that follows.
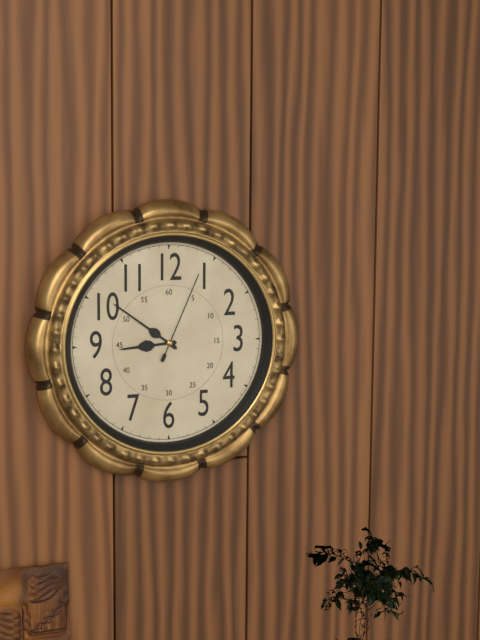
8:51:04
